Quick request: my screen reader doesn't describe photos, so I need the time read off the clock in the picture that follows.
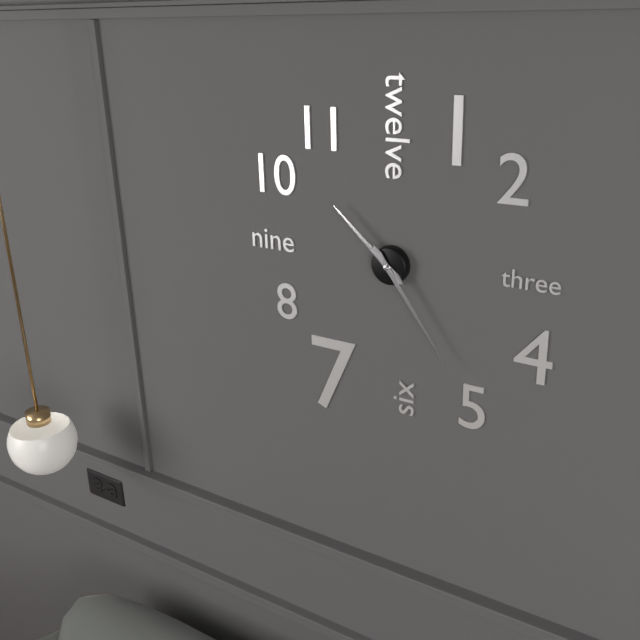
10:24
